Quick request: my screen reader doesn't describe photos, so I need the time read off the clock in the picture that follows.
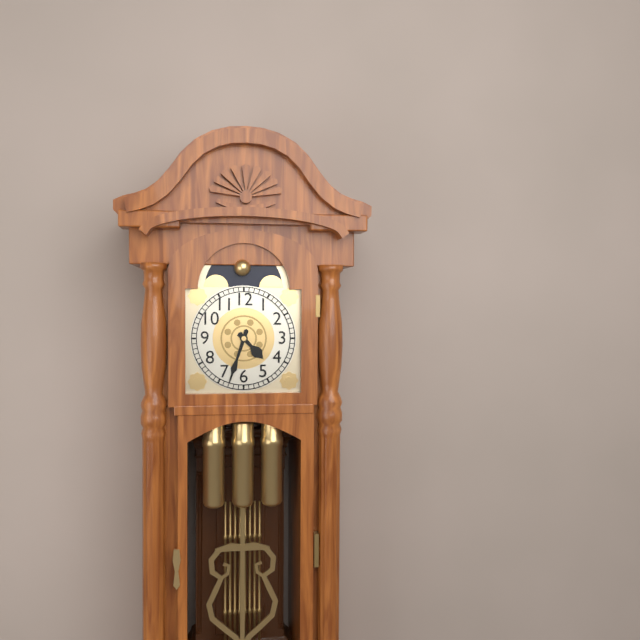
4:33
